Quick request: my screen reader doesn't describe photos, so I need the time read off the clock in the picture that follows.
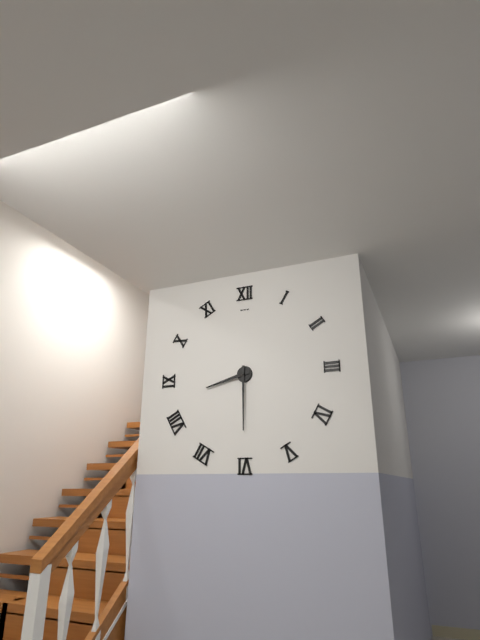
8:30
